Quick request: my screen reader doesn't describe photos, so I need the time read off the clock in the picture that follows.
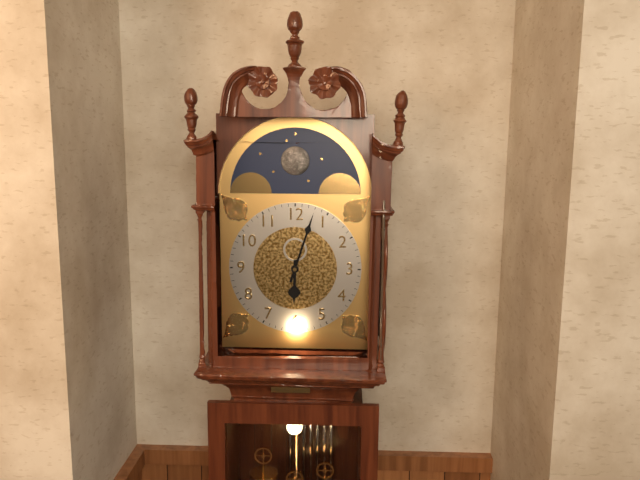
6:03
